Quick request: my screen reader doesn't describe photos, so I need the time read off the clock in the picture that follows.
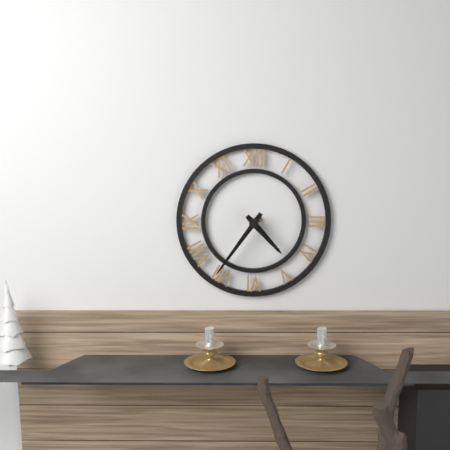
4:36
